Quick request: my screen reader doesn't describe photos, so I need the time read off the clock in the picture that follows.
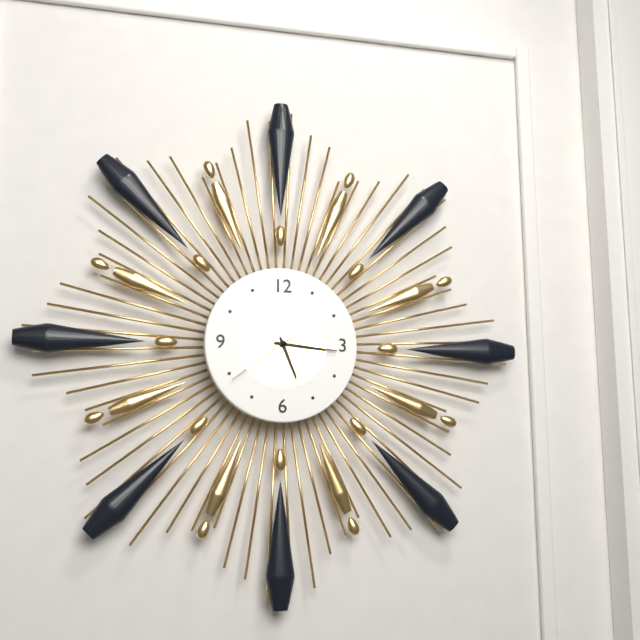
5:16:39
